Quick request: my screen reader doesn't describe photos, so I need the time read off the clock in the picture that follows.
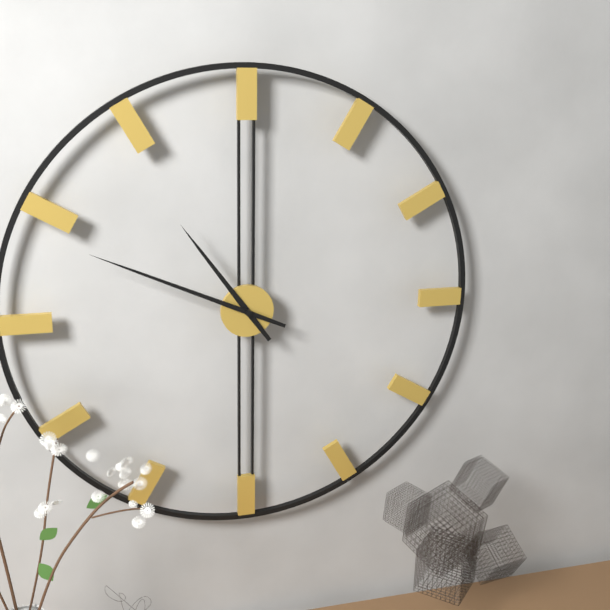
10:49
